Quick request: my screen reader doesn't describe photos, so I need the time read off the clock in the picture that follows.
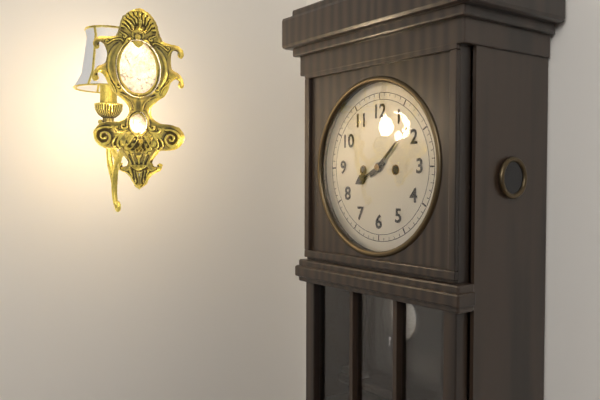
8:08
